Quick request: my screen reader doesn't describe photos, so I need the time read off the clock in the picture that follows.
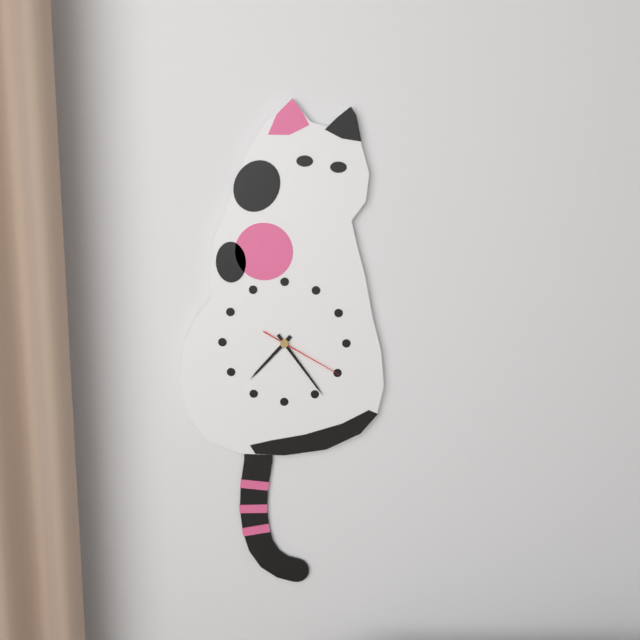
7:24:20
